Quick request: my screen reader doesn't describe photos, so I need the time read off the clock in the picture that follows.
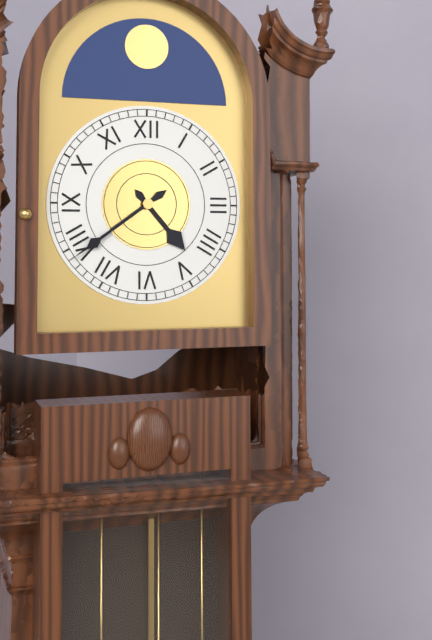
4:39
